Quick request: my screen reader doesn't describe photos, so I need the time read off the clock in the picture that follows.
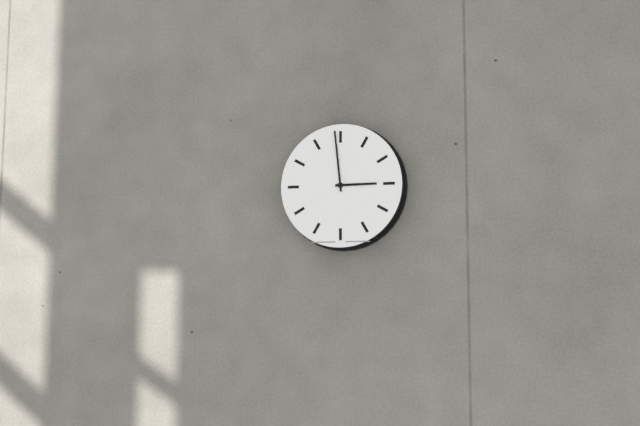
2:59
